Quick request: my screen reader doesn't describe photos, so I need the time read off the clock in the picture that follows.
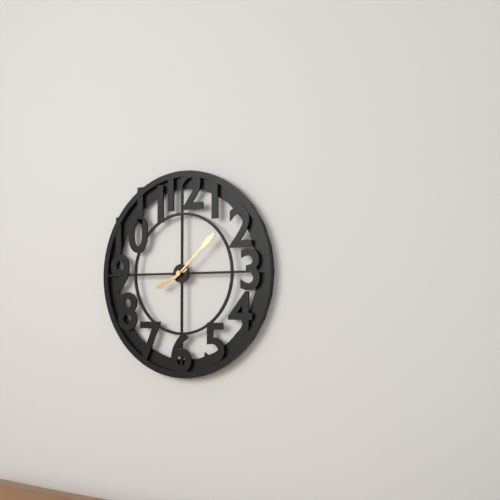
8:08
